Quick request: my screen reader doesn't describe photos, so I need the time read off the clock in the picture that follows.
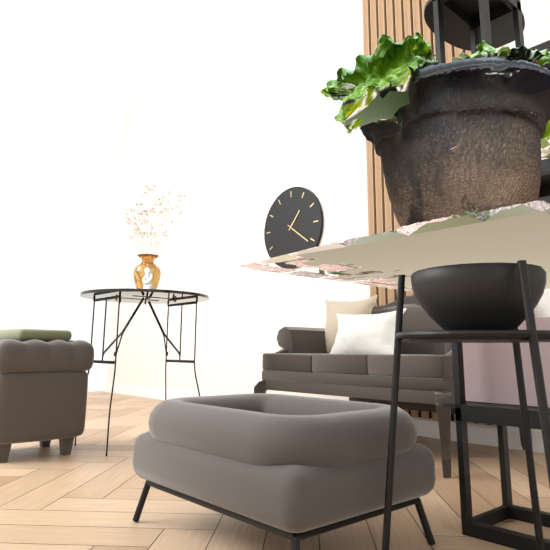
1:21
